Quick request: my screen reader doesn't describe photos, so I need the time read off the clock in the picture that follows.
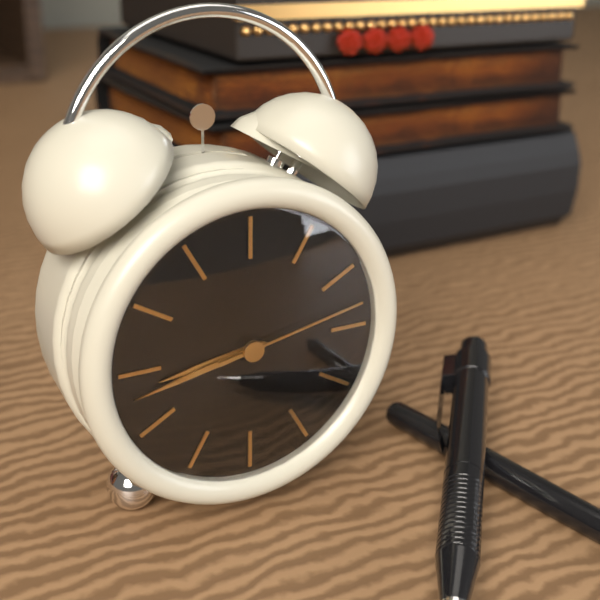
8:43:13
